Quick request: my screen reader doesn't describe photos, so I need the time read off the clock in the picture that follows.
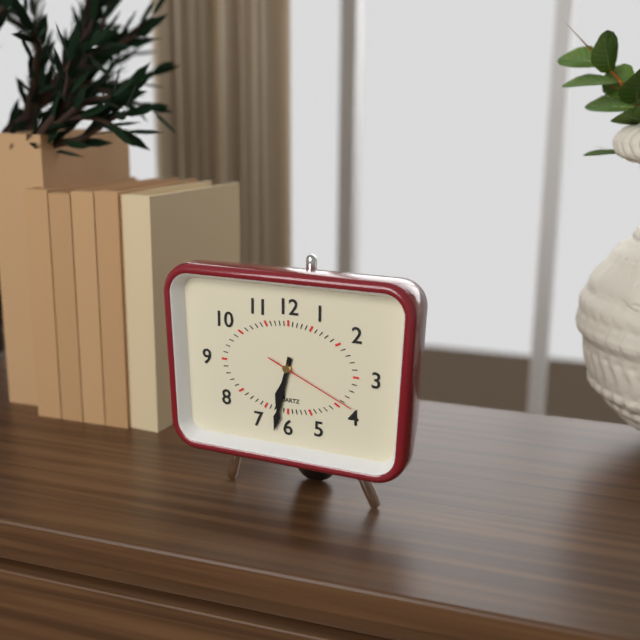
6:32:19
